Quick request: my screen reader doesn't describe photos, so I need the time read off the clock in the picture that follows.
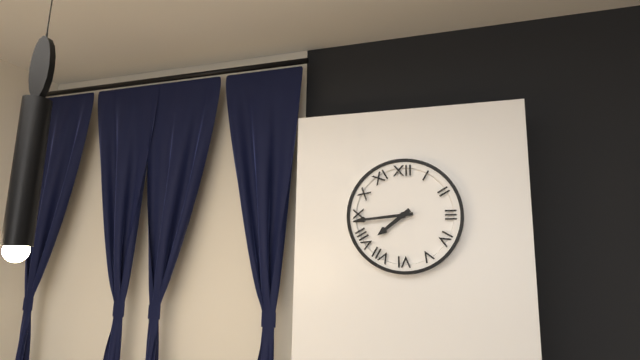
7:44
